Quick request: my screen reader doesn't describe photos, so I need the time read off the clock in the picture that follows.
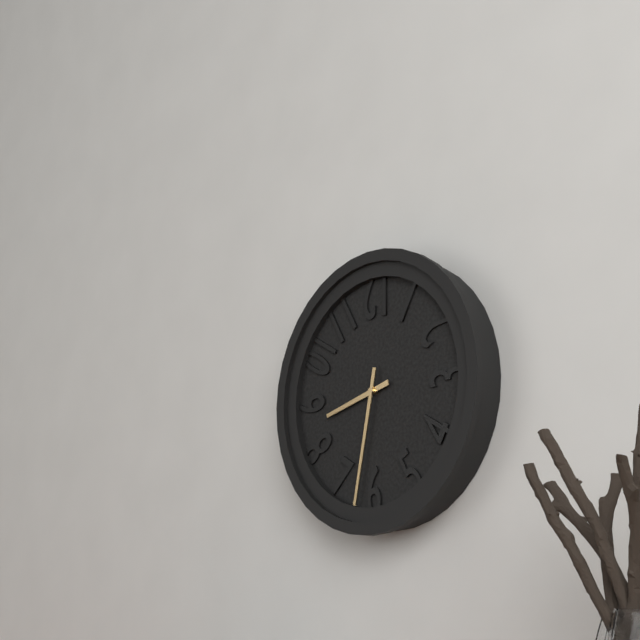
8:32
